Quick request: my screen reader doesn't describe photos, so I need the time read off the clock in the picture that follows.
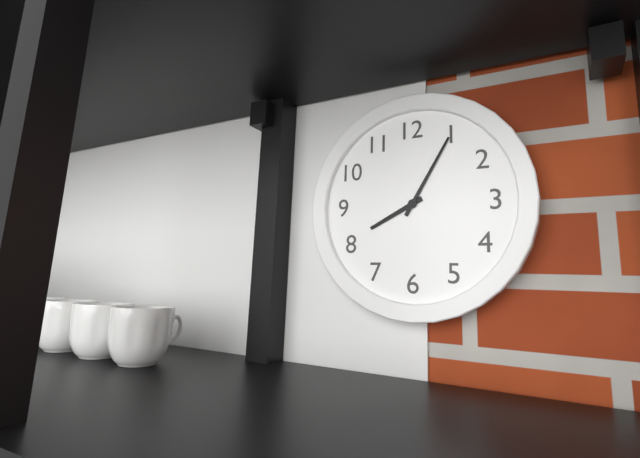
8:05
